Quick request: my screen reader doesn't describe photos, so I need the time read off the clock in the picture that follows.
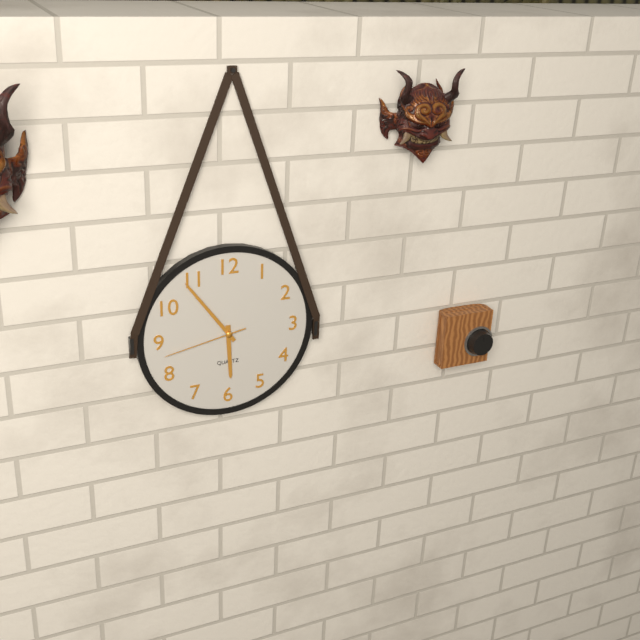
5:54:43
